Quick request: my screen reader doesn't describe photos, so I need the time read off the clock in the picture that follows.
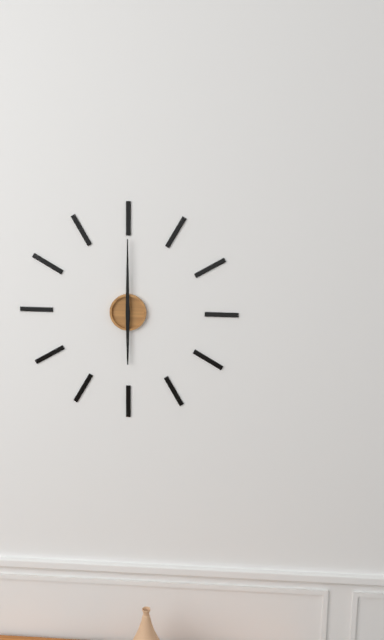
6:00
